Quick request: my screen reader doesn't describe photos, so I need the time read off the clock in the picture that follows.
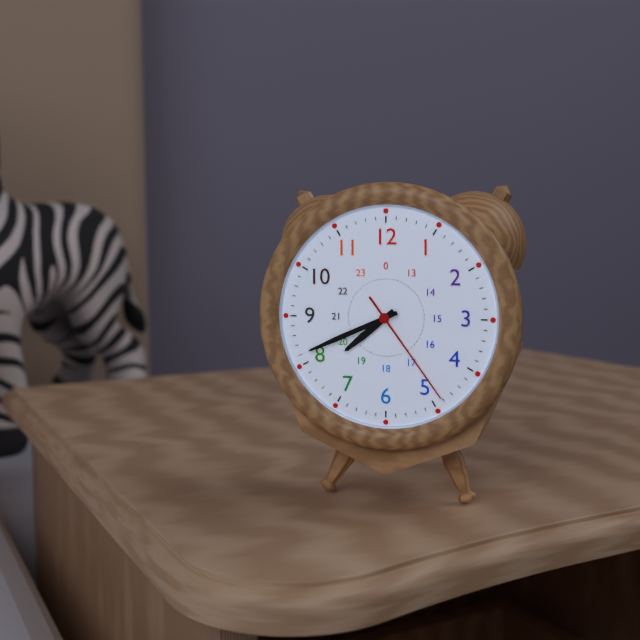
7:41:24
